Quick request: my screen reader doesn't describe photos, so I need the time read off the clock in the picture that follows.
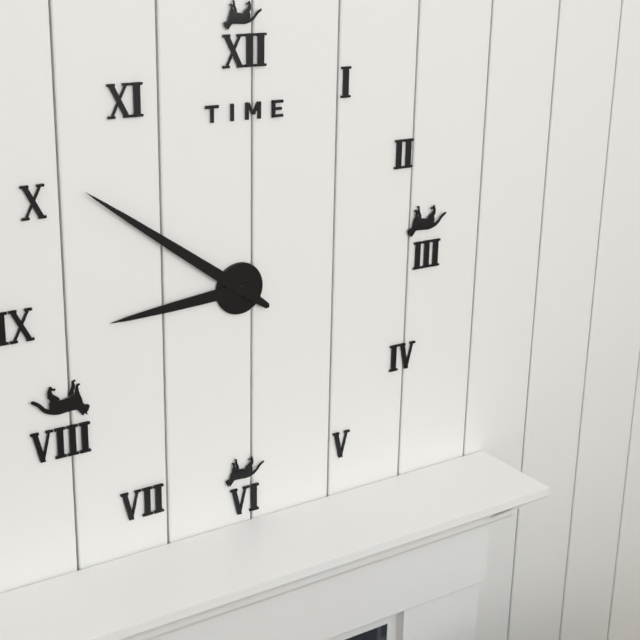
8:51
